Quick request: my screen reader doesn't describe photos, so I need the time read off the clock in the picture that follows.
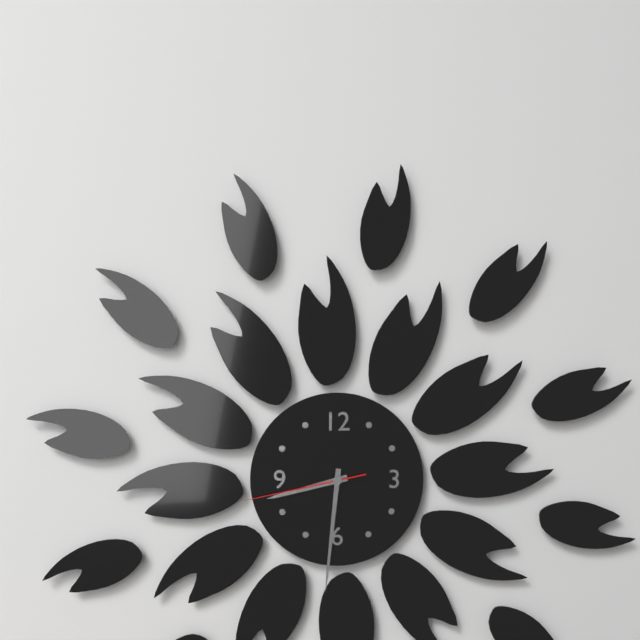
8:31:43
